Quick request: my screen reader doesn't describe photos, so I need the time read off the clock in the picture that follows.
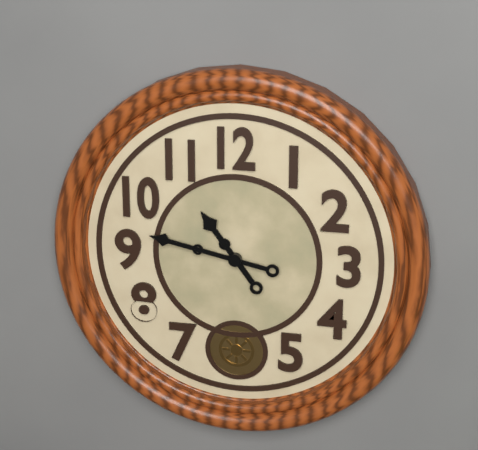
10:47
